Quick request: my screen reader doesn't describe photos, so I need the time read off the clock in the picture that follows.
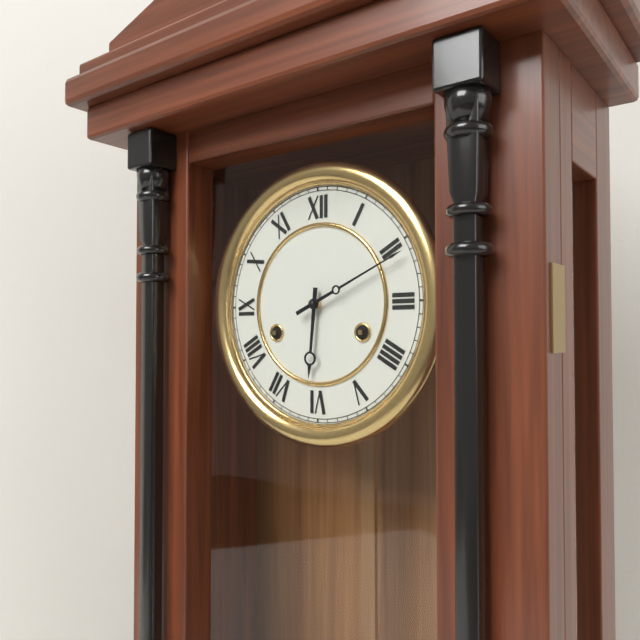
6:11
